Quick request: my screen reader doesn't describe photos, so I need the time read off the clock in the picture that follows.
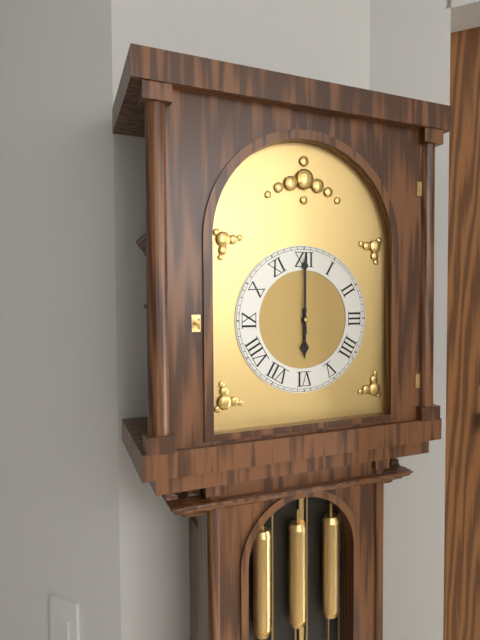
6:00
